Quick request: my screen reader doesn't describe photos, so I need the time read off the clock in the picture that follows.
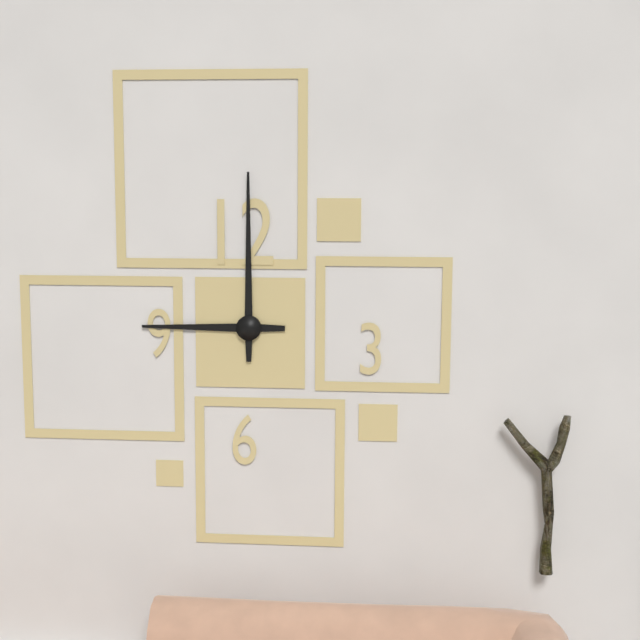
9:00
